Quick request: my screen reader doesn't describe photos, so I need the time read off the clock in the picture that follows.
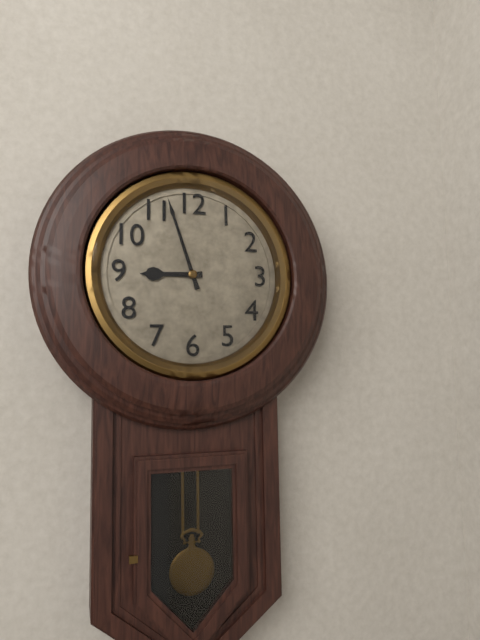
8:57
